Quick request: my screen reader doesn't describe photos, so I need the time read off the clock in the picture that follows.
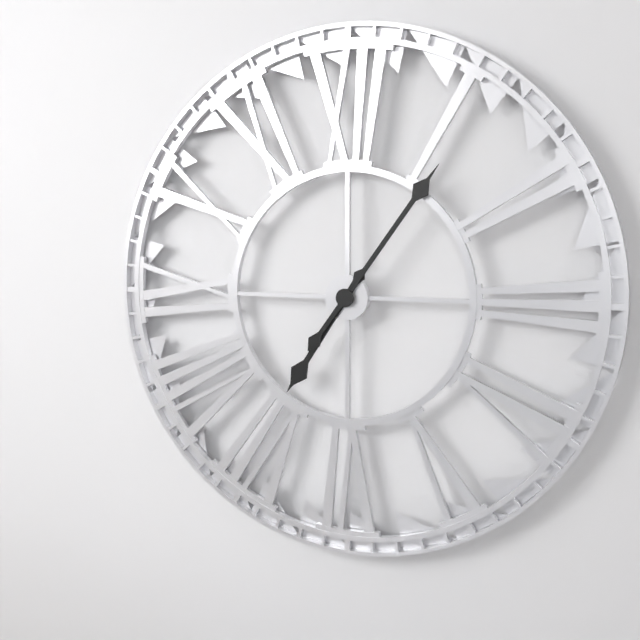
7:06
